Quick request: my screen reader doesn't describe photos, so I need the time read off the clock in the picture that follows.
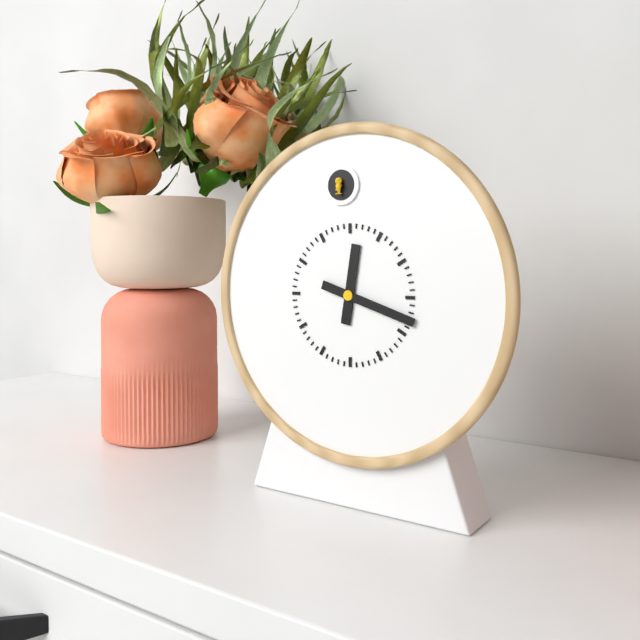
12:18
